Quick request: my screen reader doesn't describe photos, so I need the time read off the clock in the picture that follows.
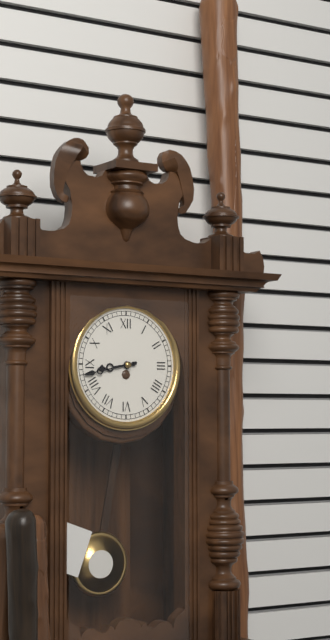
8:43
